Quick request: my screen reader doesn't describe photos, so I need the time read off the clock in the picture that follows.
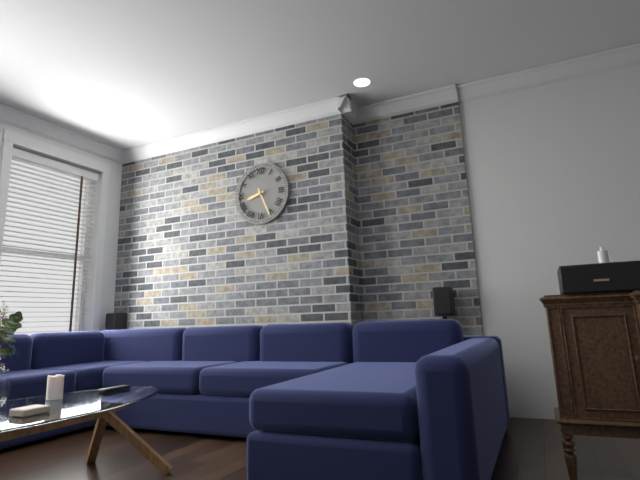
8:26
